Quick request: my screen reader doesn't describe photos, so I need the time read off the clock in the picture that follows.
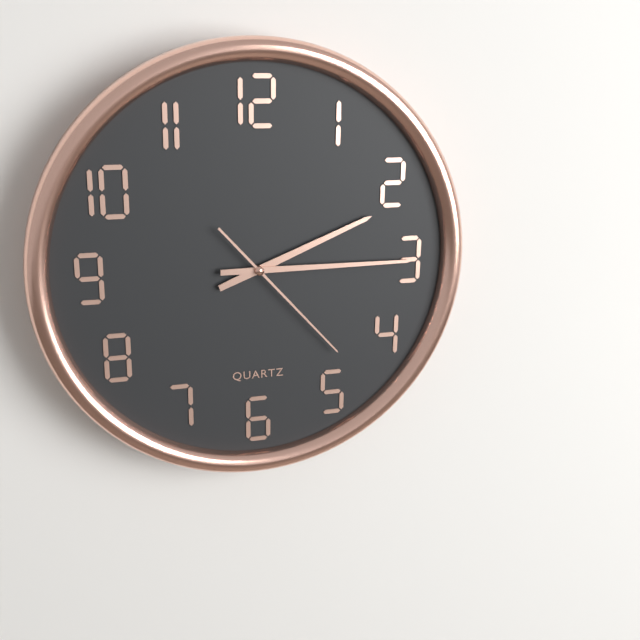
2:15:23
